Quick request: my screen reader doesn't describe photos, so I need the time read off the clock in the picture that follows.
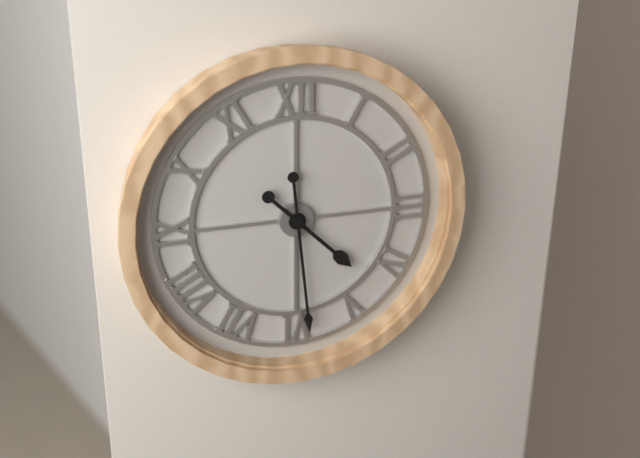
4:29
